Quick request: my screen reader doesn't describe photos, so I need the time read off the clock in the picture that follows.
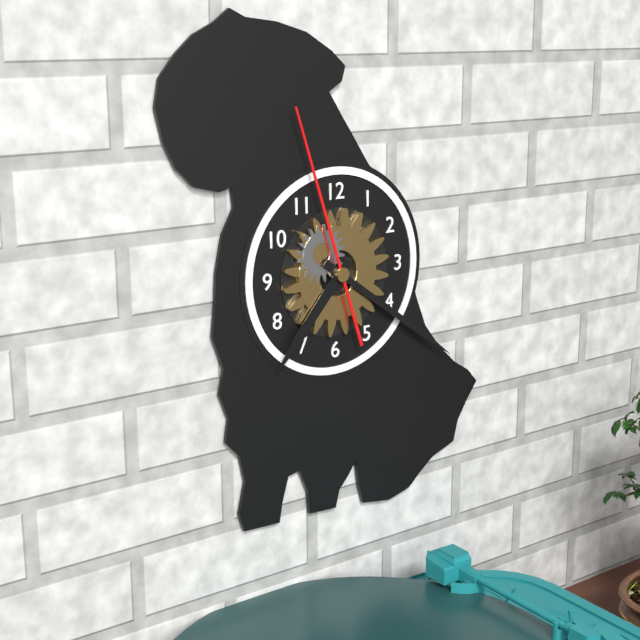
7:21:57
